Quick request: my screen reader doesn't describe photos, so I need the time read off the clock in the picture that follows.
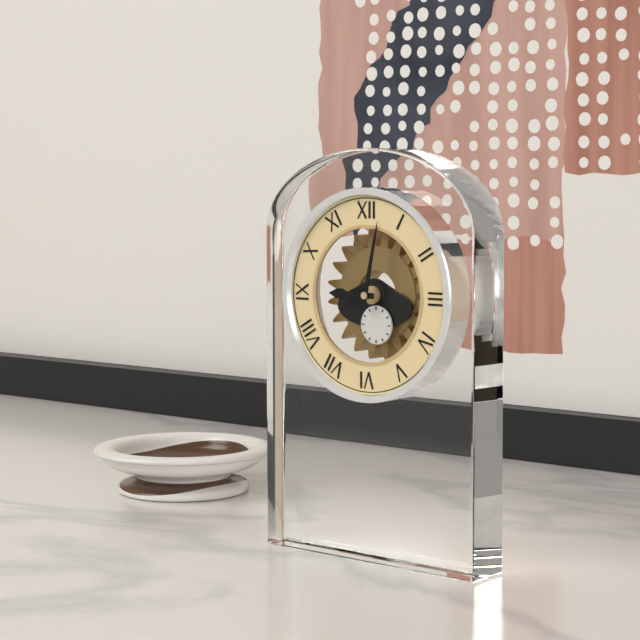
9:02
